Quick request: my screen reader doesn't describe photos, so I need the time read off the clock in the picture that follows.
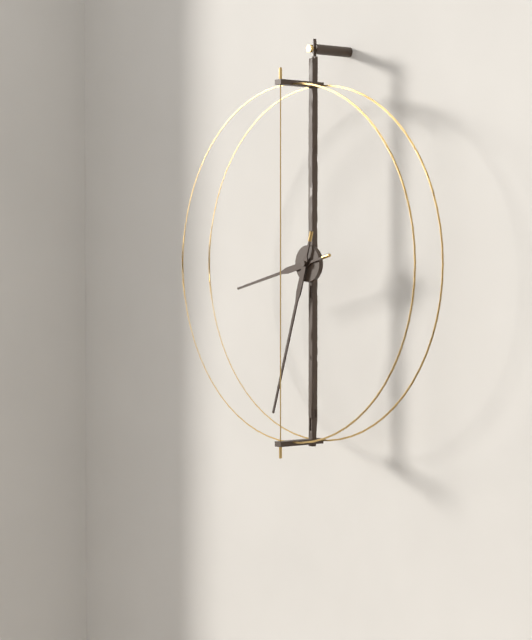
8:33
